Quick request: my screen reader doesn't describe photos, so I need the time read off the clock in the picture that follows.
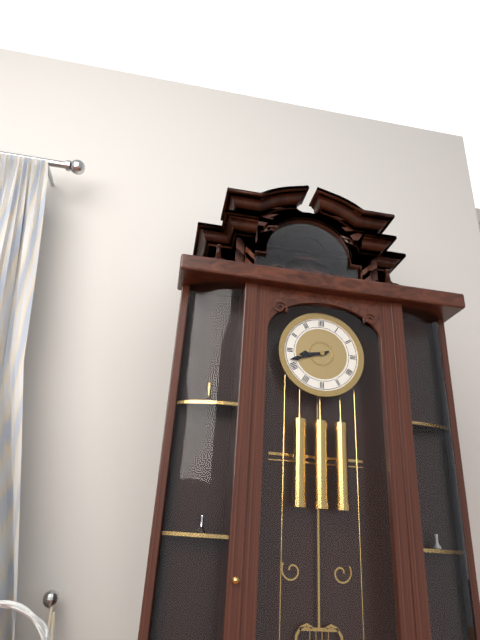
8:42
